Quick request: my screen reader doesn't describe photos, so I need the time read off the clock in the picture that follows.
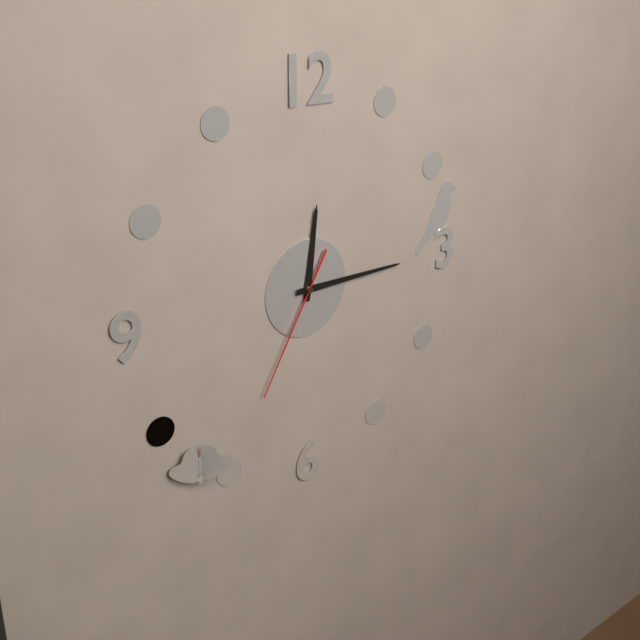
12:15:35
